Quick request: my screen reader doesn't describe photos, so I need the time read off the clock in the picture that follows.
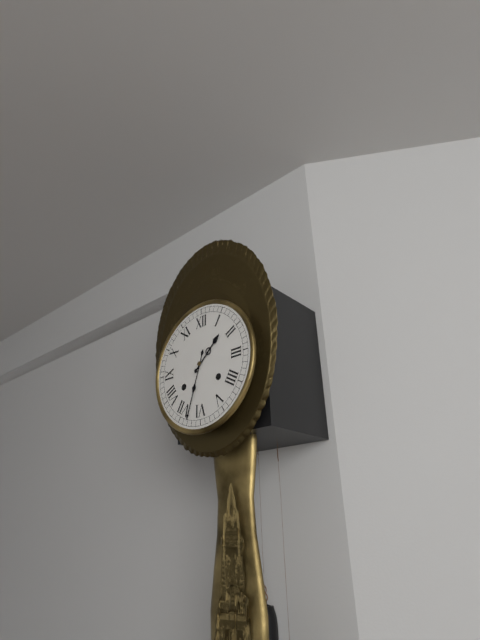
1:33
